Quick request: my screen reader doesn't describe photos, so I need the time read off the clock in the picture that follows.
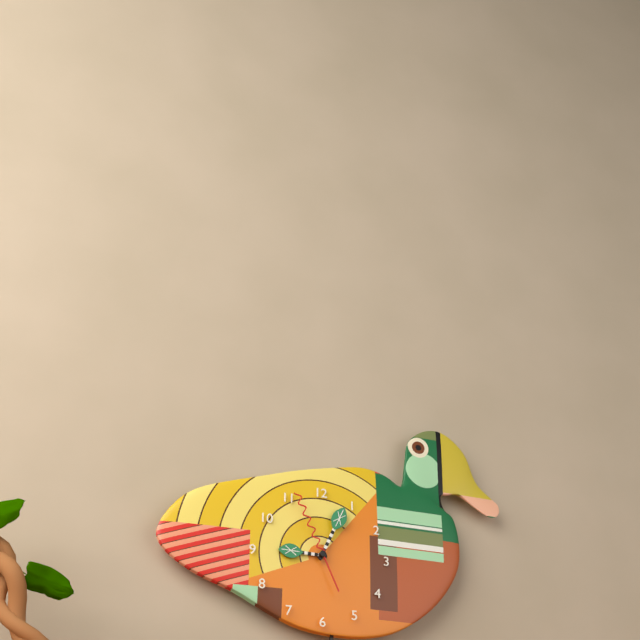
9:04:56
